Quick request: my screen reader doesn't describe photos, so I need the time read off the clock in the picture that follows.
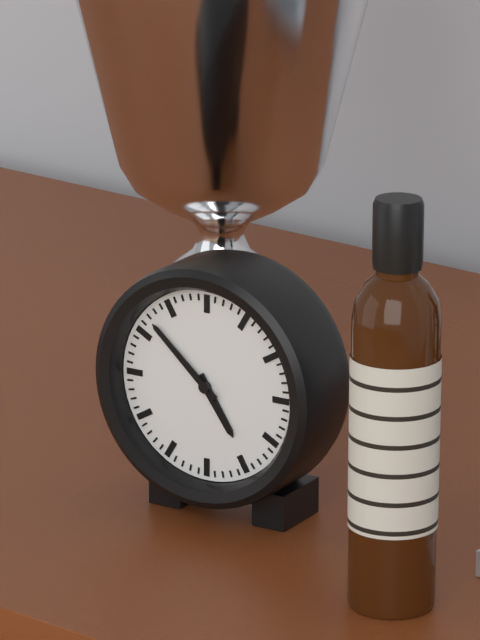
4:52
